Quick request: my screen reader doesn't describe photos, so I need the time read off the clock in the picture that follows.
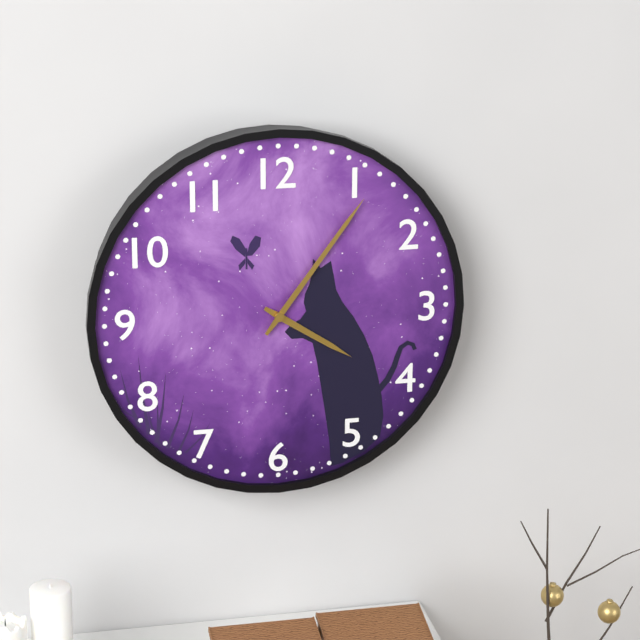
4:06
